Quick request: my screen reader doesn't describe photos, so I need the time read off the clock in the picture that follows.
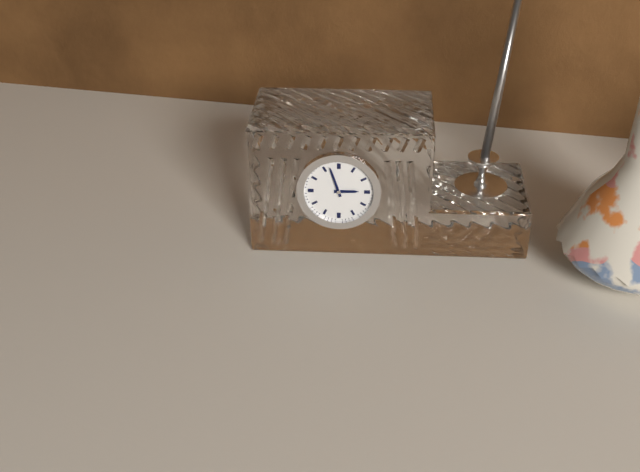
2:57
